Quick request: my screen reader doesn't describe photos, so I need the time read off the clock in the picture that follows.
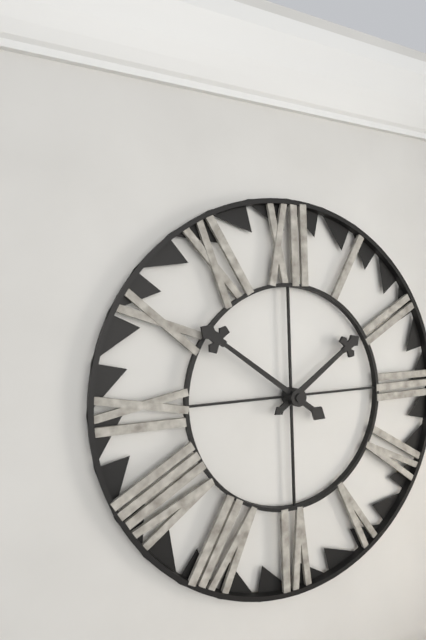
1:51
